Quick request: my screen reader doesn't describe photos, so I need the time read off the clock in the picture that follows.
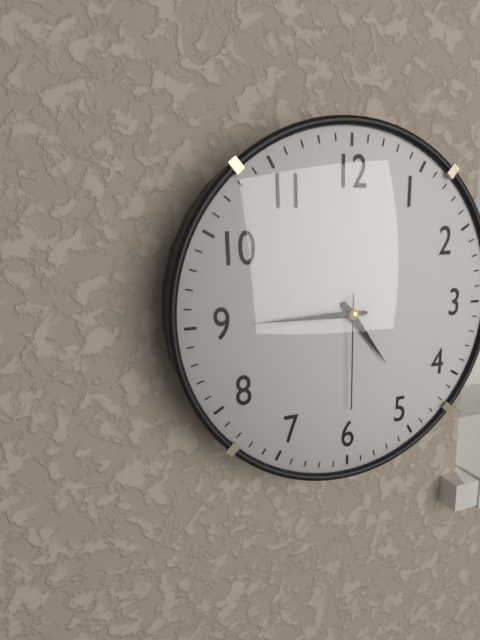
4:45:30
